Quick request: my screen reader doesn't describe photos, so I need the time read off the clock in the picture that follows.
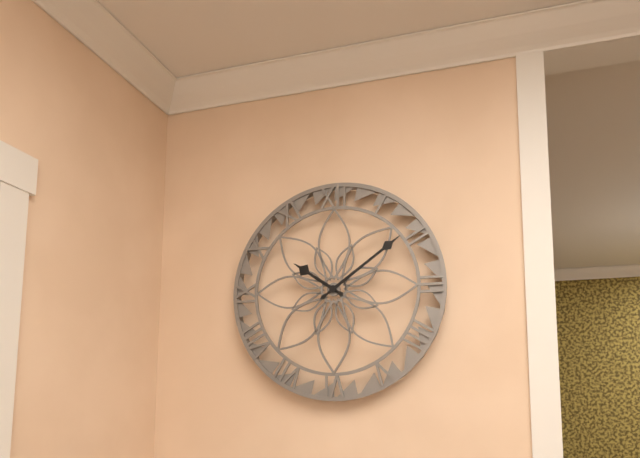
10:09
